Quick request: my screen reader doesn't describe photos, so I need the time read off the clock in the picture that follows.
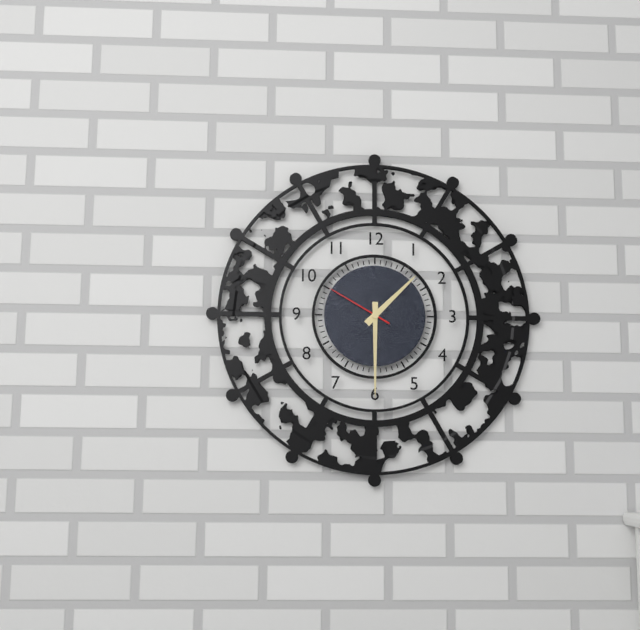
1:30:50
